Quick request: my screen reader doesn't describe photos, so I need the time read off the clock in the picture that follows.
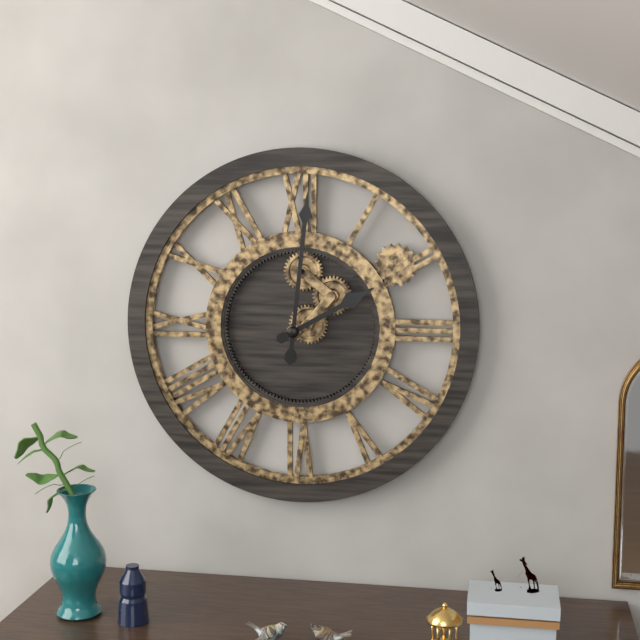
2:01
